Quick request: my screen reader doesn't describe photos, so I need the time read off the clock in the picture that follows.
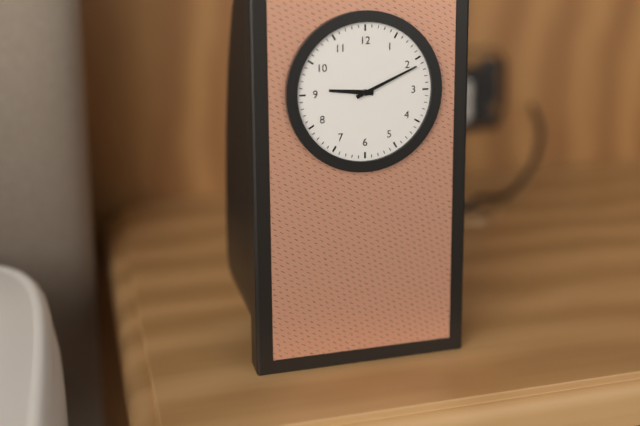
9:11
